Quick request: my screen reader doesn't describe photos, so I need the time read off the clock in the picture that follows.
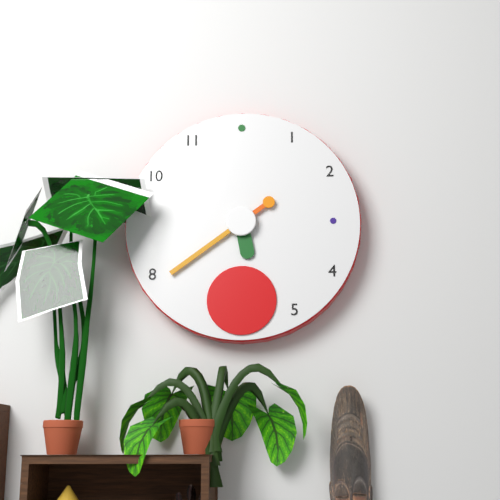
5:39
